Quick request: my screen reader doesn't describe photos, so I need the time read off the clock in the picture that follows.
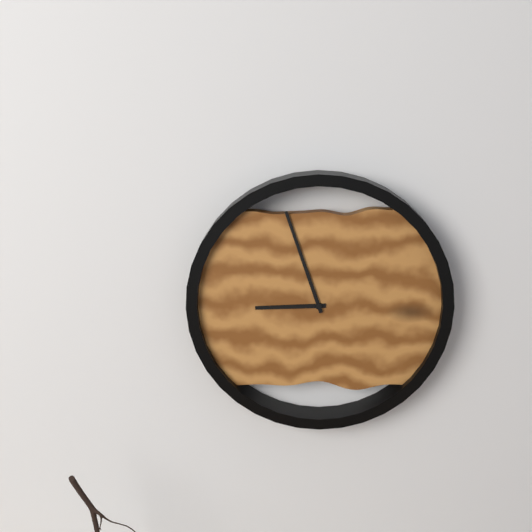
8:57
